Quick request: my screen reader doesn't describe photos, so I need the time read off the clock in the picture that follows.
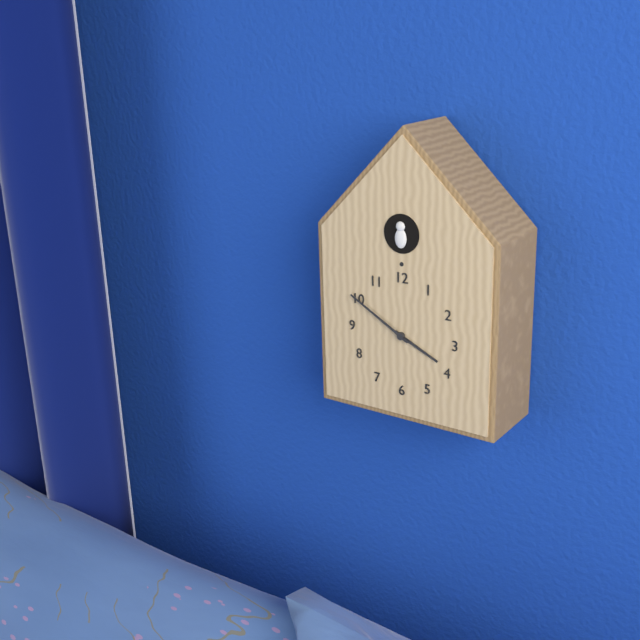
3:50
